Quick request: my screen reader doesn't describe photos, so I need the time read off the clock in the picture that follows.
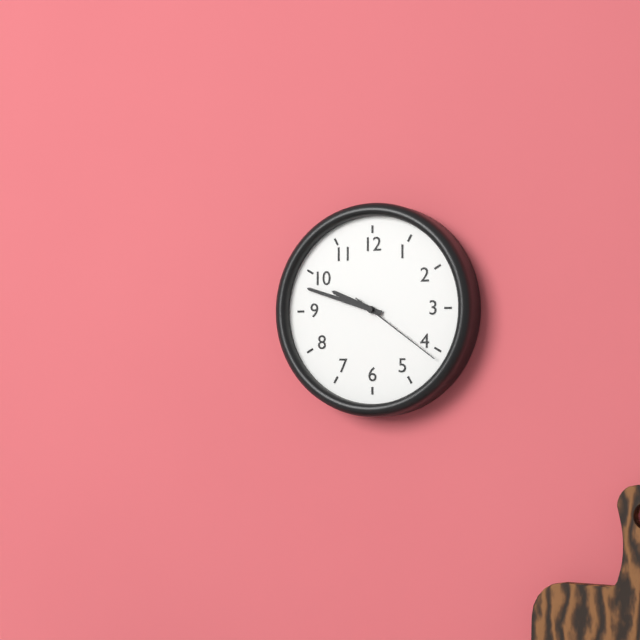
9:48:21
